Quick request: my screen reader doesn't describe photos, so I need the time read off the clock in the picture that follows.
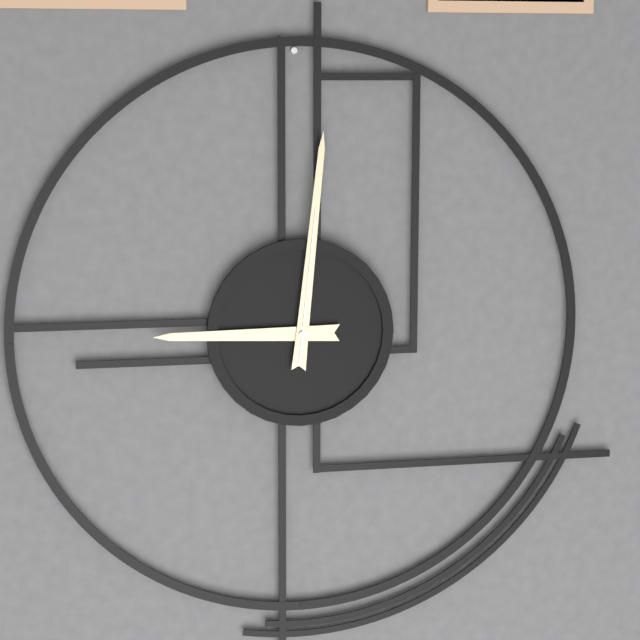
9:01:01
